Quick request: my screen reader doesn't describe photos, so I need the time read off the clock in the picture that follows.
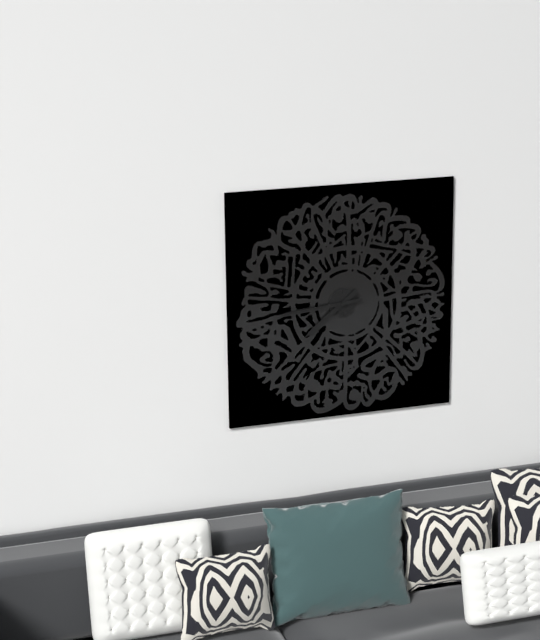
7:44
